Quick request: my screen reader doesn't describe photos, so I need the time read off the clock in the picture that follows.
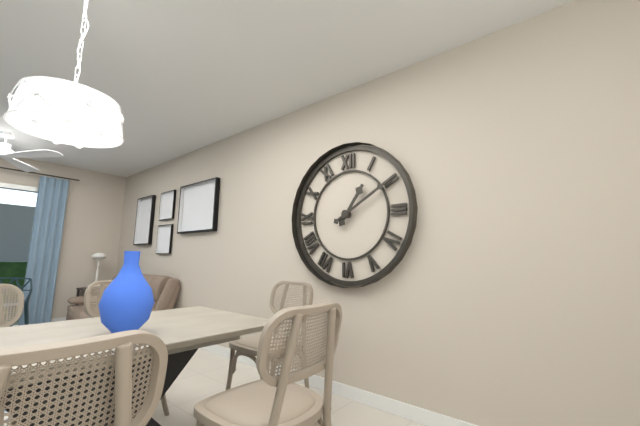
1:10
